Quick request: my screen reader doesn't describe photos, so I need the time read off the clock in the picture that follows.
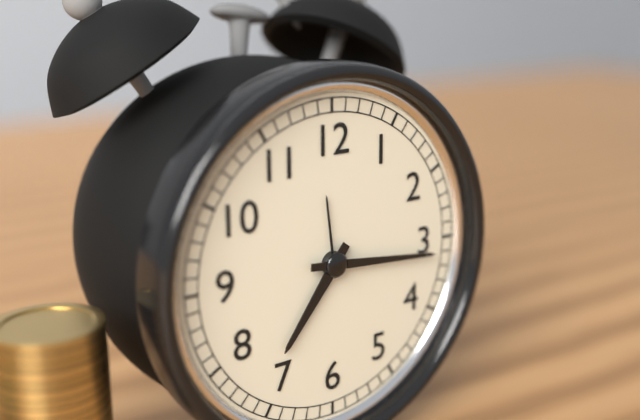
7:16
